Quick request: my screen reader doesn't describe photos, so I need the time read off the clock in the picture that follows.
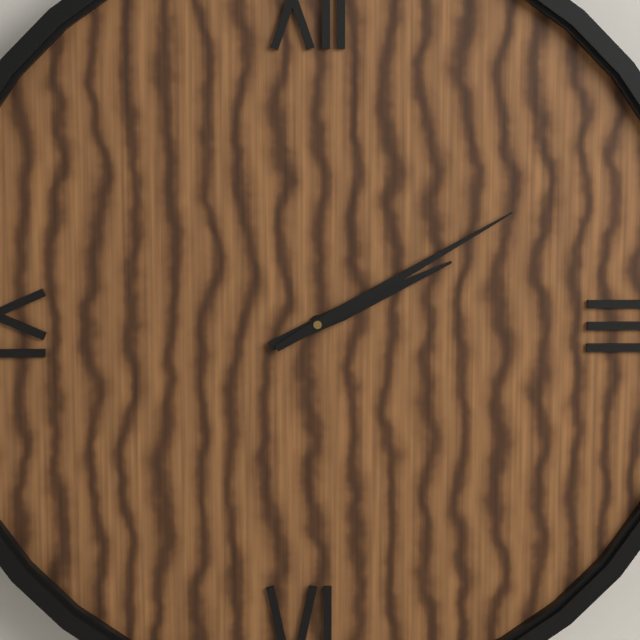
2:10
